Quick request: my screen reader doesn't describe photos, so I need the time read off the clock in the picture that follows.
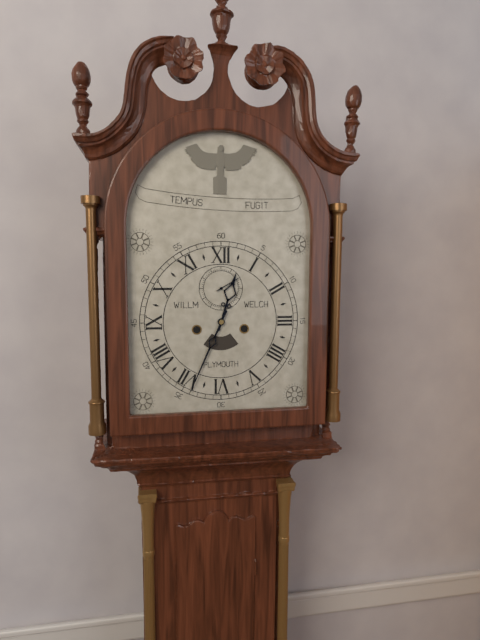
12:34
